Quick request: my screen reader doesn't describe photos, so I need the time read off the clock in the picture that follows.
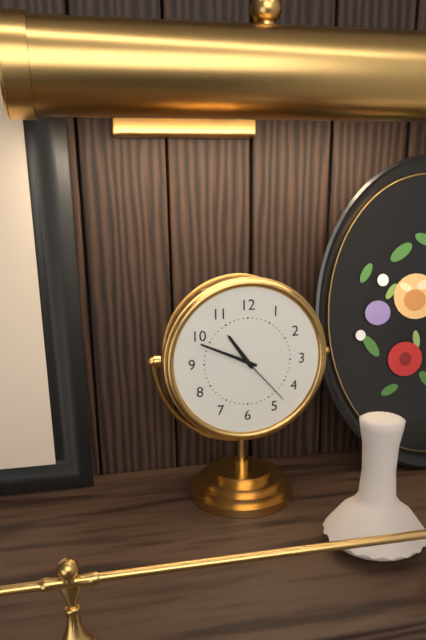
10:49:23
